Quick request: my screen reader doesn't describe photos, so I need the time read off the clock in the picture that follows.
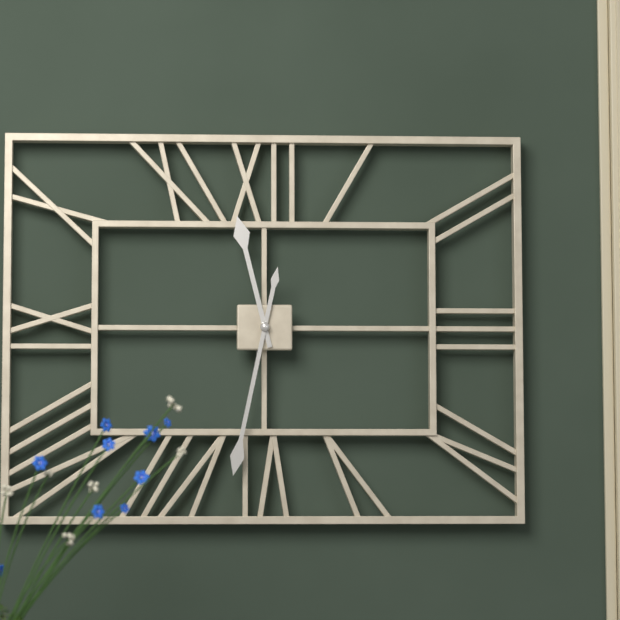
11:32
